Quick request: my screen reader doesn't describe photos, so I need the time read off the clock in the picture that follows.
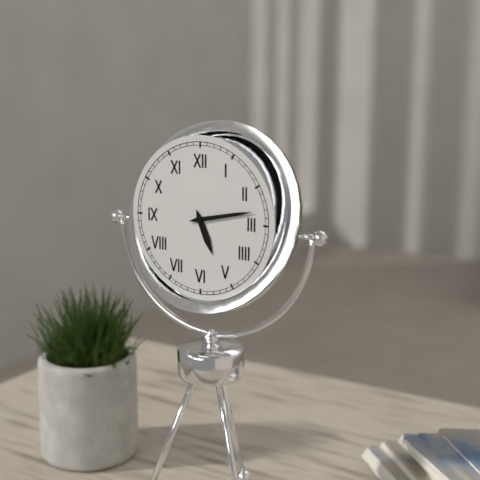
5:13
